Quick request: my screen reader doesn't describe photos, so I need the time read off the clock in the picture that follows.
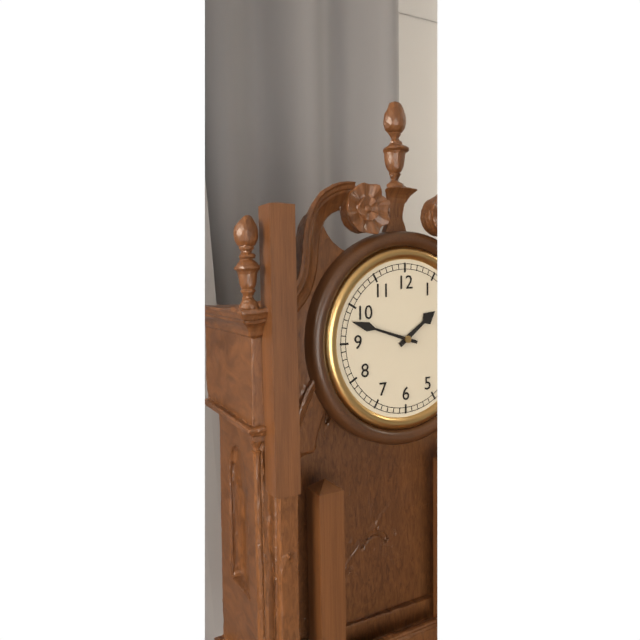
1:48
